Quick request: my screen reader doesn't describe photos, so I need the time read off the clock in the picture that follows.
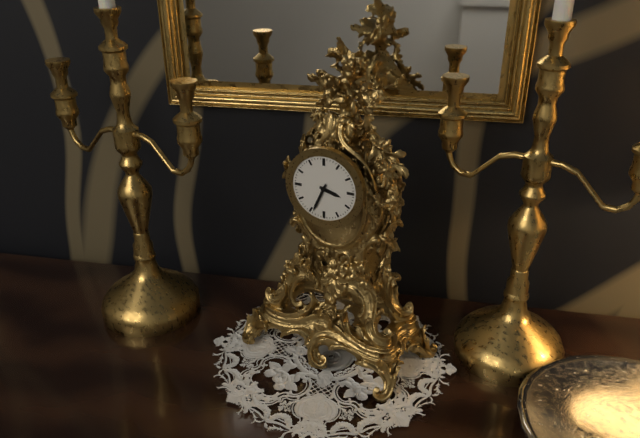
3:34
